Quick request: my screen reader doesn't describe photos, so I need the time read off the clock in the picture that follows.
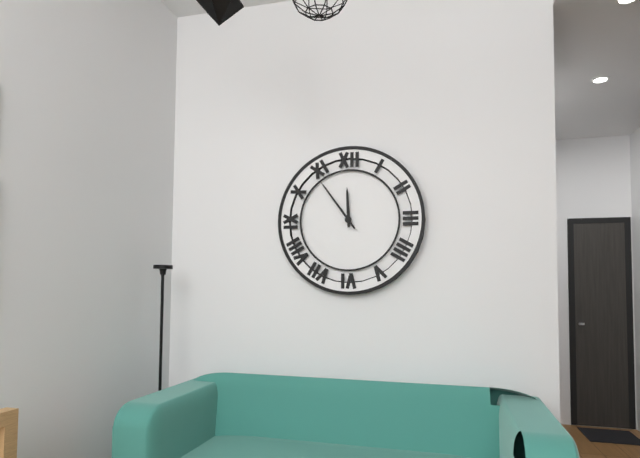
11:54
